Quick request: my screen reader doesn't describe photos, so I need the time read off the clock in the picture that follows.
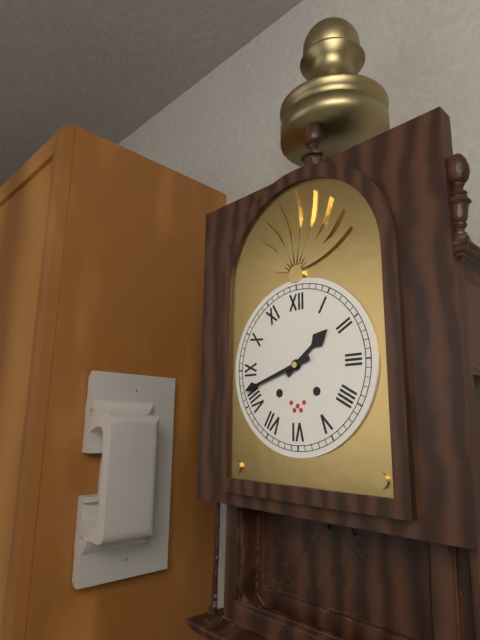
1:42
